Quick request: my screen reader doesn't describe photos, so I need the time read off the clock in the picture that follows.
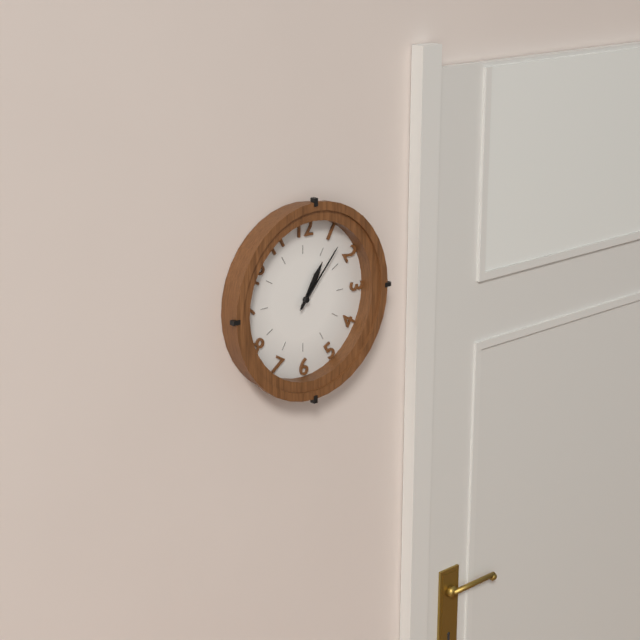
1:07
